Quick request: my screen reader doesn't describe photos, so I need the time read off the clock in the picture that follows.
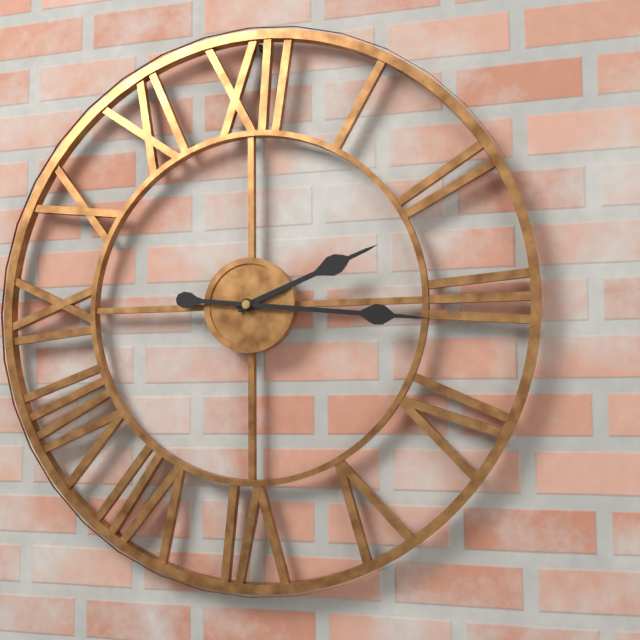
2:16
